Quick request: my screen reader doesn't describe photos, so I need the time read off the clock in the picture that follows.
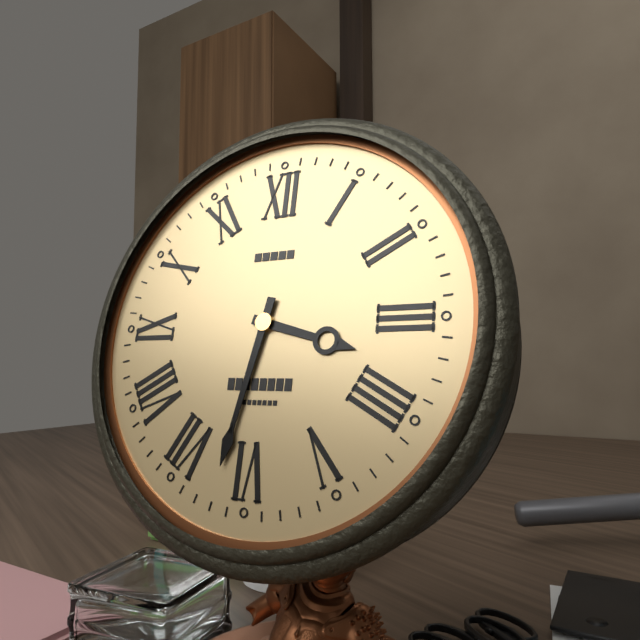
3:32
